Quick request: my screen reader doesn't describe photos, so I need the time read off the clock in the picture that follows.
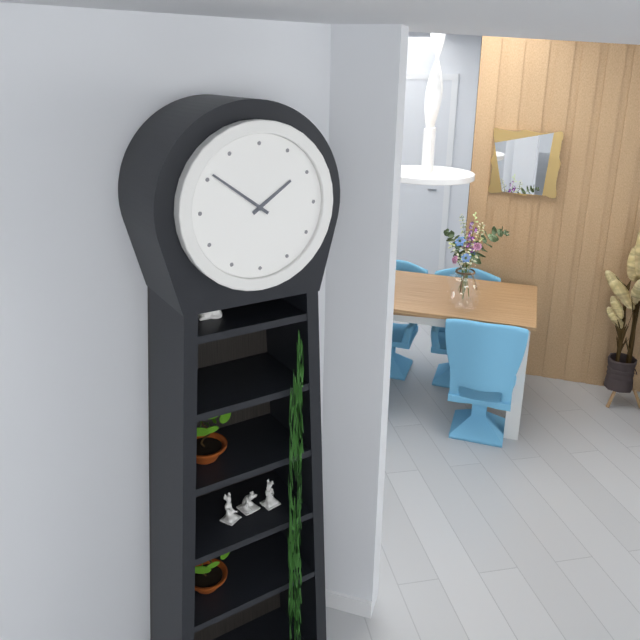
1:51
